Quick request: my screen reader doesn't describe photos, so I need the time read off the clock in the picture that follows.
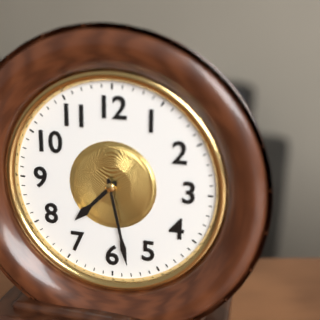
7:28
